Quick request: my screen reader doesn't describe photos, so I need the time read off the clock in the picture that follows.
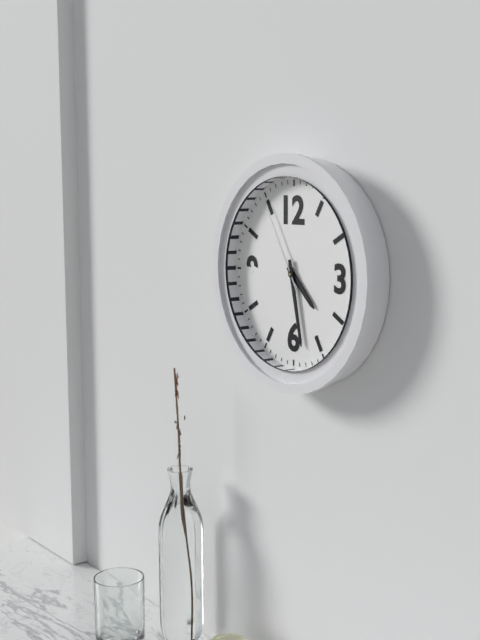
4:28:55
